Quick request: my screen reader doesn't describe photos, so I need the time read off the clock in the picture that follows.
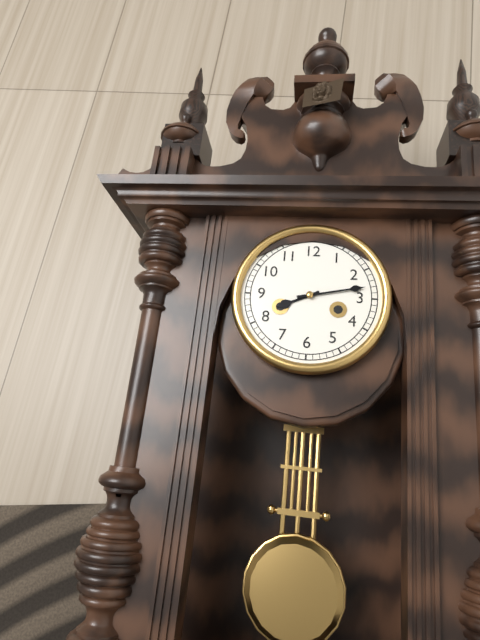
8:13
